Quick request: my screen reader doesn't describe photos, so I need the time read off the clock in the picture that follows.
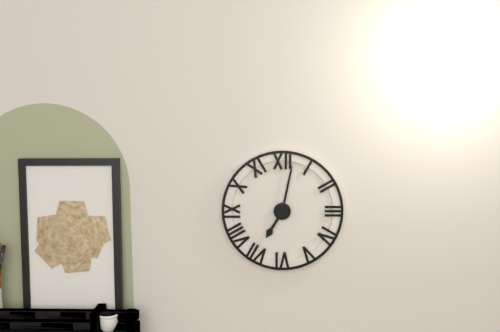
7:02
